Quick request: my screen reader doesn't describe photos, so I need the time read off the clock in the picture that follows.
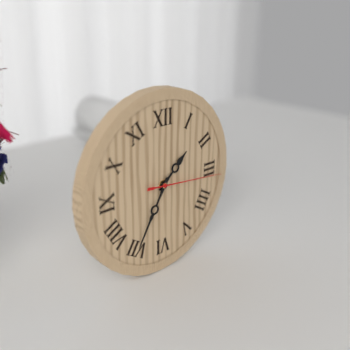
1:35:16
